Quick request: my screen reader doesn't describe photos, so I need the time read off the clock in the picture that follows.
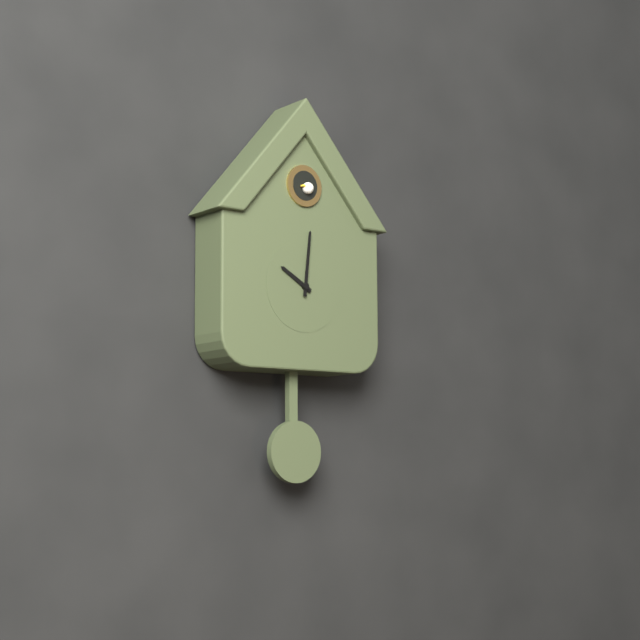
10:01
